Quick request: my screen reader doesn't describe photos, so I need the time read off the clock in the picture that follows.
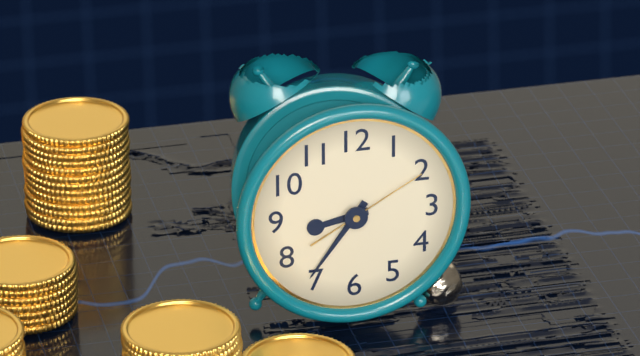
8:36:10
